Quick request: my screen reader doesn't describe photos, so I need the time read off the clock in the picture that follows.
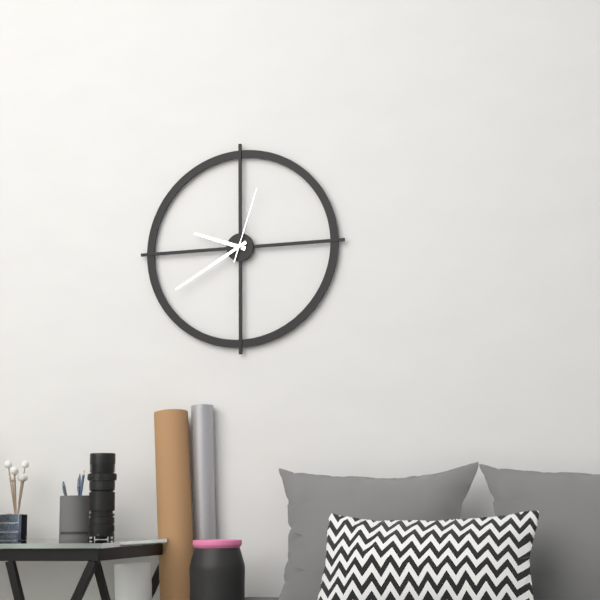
9:40:03
